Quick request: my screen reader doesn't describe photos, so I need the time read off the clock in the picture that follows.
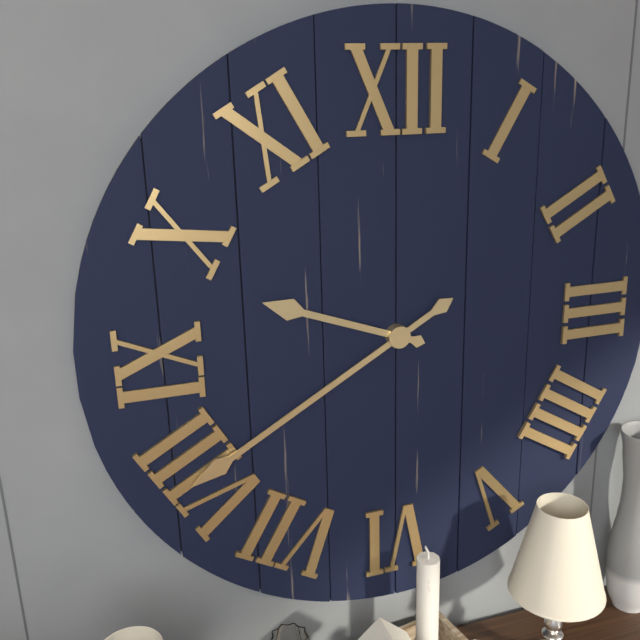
9:40
